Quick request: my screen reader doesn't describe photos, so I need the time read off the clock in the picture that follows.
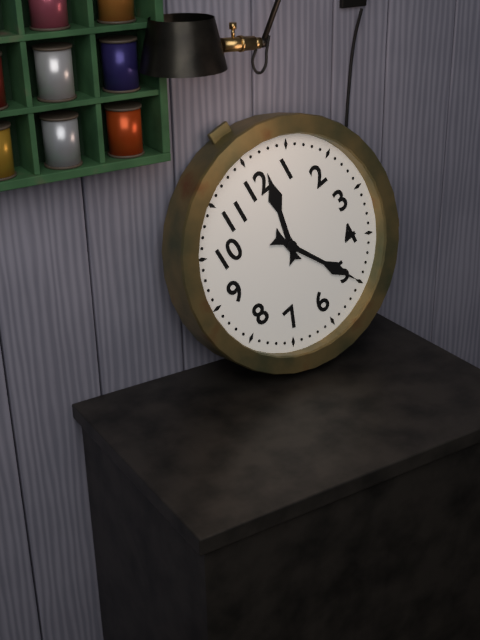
12:25
